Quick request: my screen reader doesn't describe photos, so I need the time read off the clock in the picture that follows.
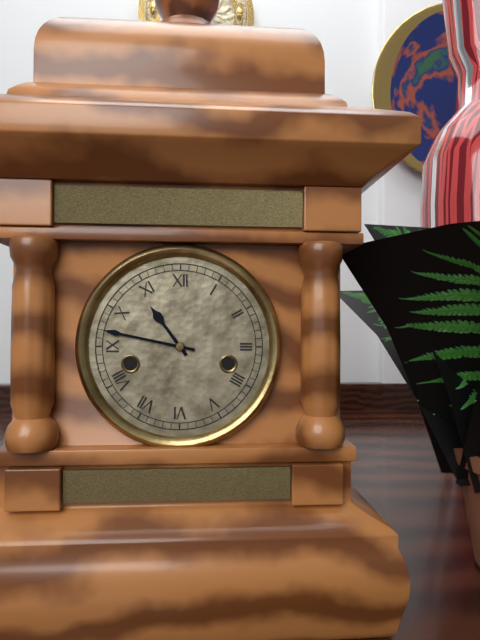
10:47
